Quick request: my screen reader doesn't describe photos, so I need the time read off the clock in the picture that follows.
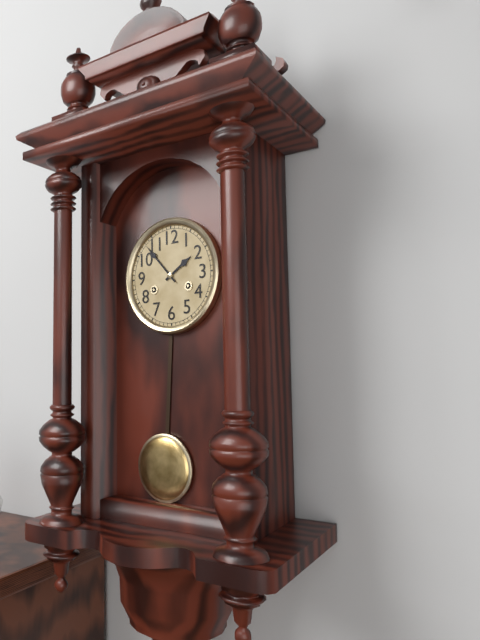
1:53
